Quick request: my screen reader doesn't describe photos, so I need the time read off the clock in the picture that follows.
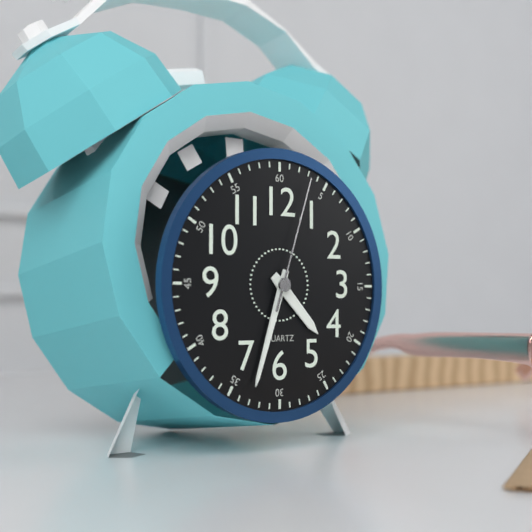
4:33:03
